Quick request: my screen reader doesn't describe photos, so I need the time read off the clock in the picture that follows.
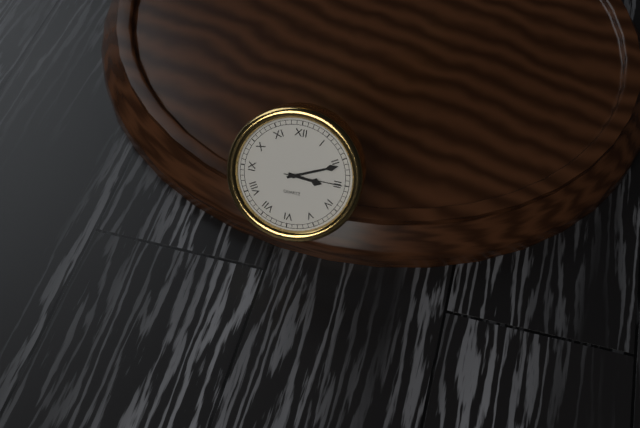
3:11:15
